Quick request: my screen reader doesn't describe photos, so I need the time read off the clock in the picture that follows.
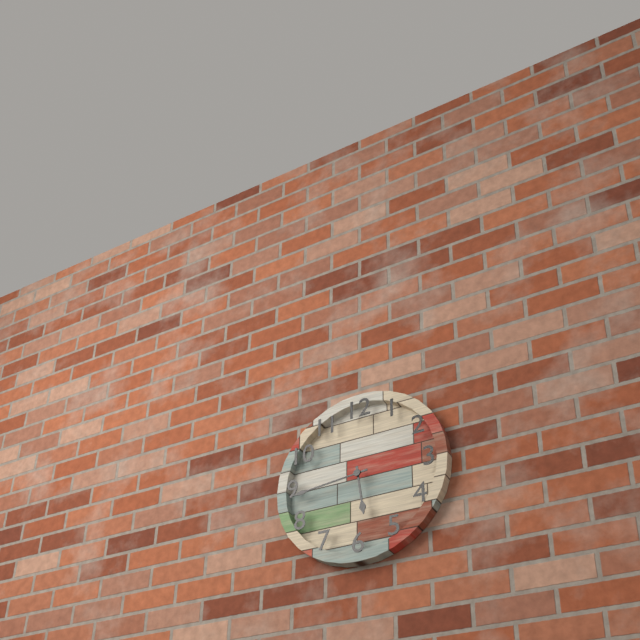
5:44
